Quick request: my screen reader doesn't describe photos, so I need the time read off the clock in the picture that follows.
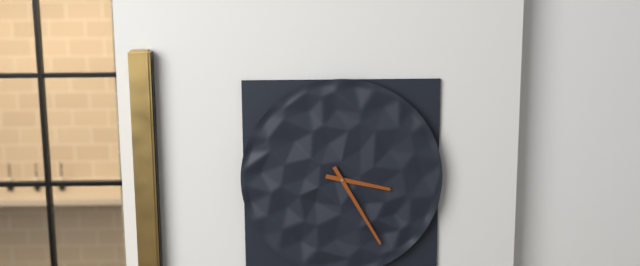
3:25
